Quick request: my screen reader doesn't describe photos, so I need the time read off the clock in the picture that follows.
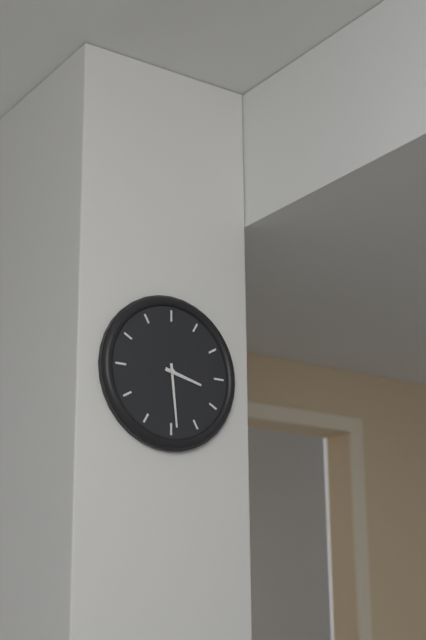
3:29
